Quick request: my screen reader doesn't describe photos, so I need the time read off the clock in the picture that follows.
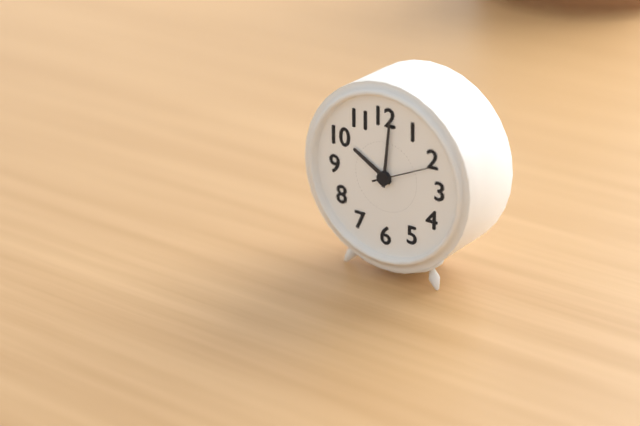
10:01:11
